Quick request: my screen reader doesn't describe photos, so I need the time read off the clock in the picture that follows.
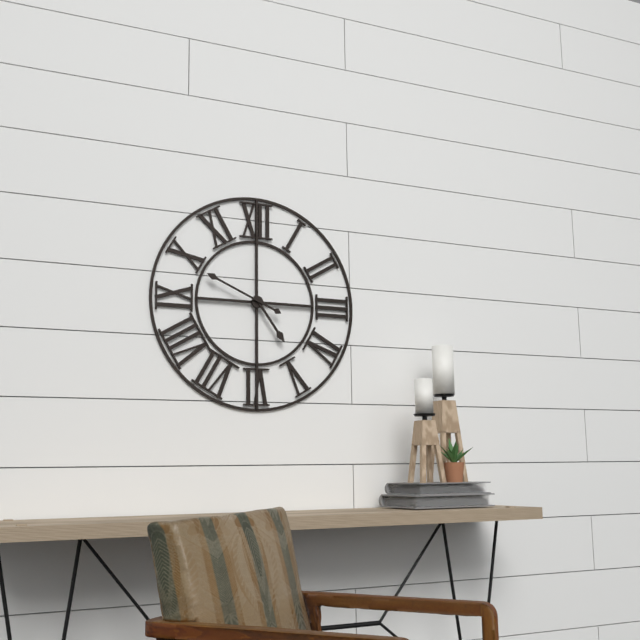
4:49
